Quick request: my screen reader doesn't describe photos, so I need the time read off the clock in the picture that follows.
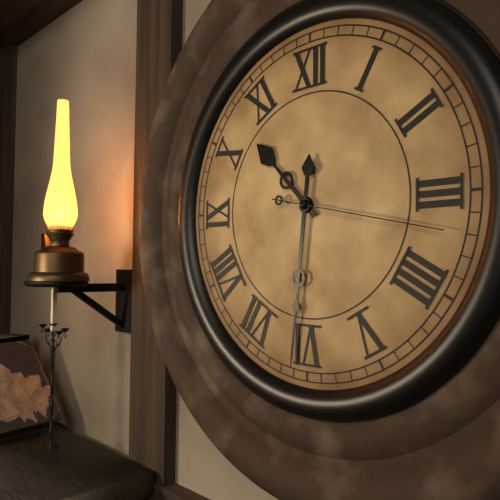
10:31:17
